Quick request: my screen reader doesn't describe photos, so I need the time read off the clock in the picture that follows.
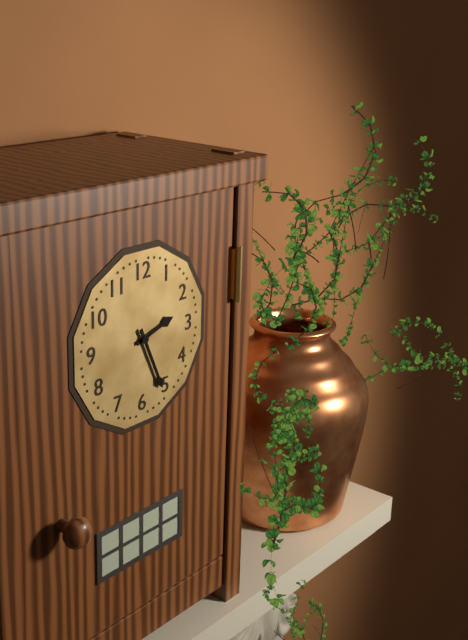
2:26
